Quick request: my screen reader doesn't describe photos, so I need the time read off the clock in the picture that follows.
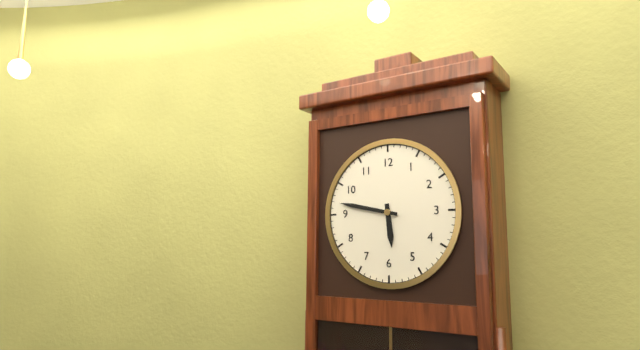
5:47
